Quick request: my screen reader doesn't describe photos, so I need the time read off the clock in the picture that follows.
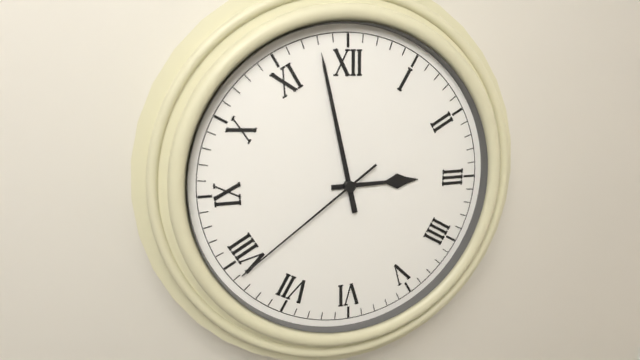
2:58:39
